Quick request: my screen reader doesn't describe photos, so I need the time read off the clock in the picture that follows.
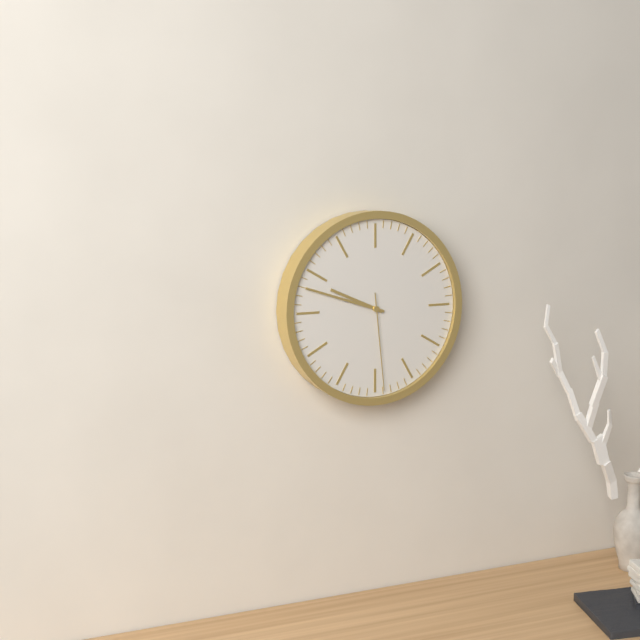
9:48:29
